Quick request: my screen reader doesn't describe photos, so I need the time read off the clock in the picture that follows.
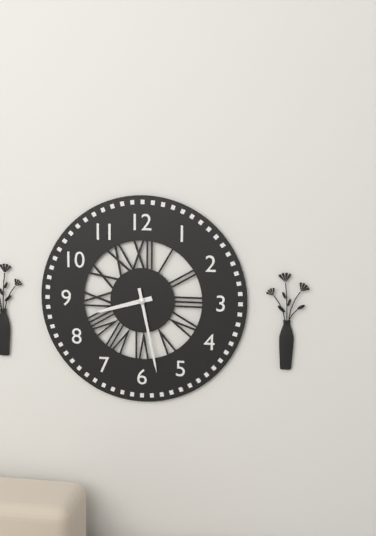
8:28
